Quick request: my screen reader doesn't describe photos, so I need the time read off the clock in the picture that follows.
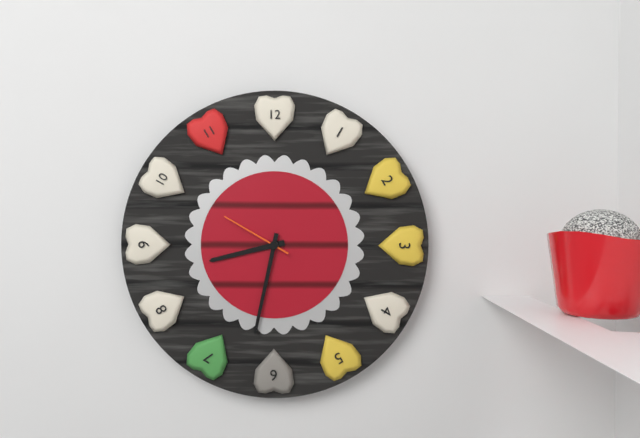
8:32:50
